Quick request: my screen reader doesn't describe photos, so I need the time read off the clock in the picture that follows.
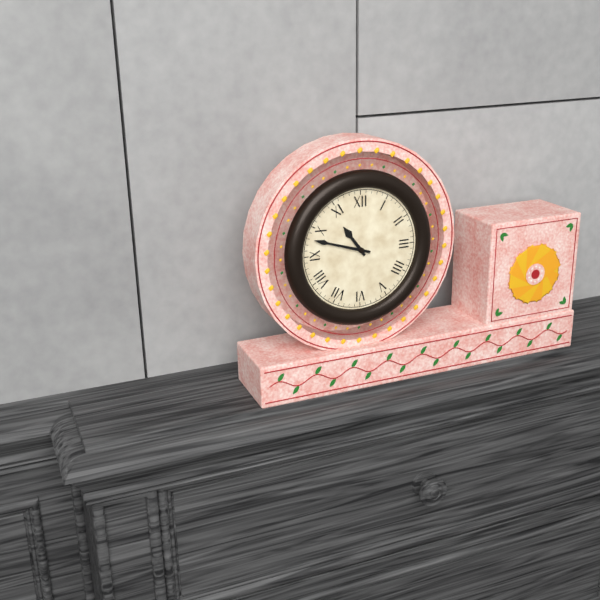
10:48
